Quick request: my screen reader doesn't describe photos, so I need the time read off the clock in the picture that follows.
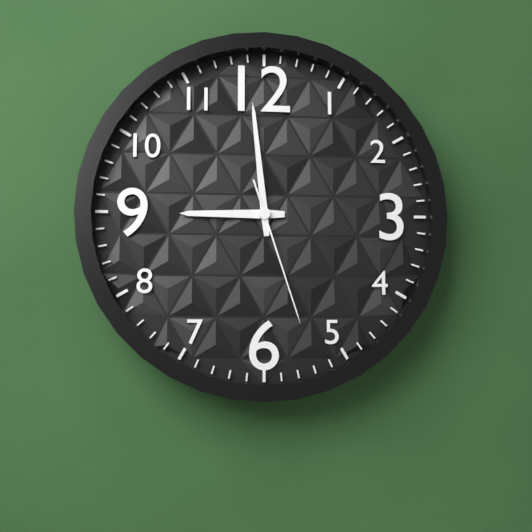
8:59:27
